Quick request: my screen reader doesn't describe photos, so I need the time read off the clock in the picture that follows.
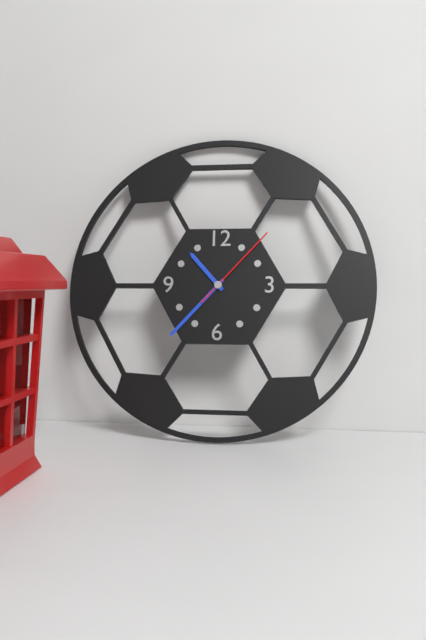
10:37:07
